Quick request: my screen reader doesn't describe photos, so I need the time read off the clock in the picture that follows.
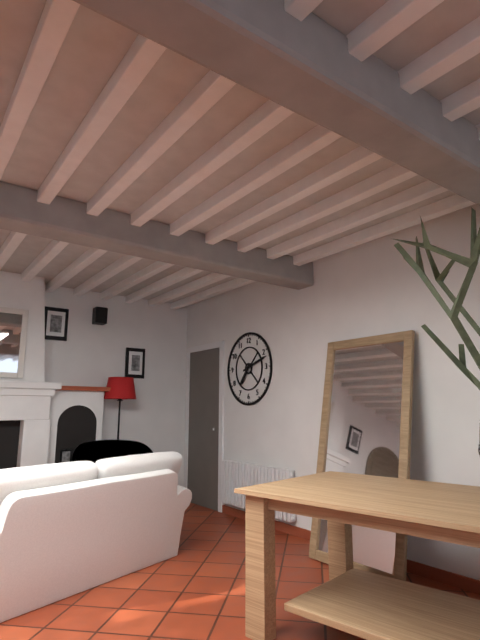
7:12
